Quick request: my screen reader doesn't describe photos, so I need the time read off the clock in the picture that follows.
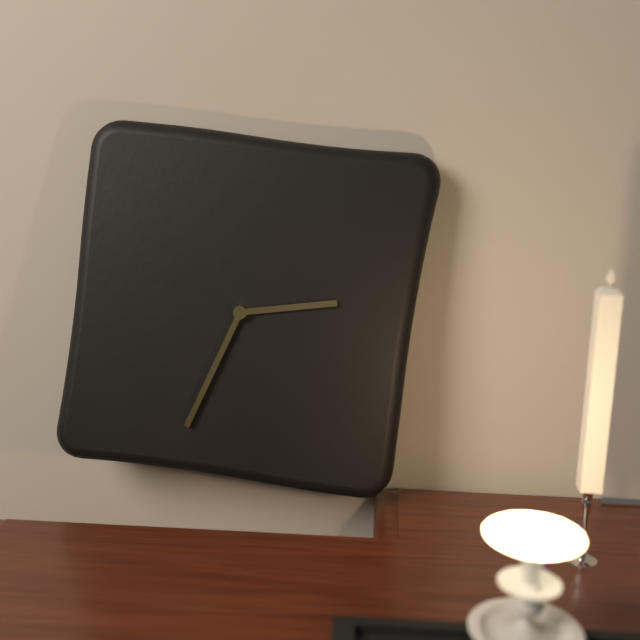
2:33
